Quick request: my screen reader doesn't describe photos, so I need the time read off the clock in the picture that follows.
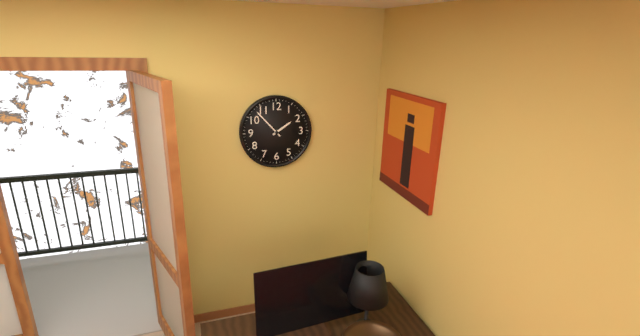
1:53
